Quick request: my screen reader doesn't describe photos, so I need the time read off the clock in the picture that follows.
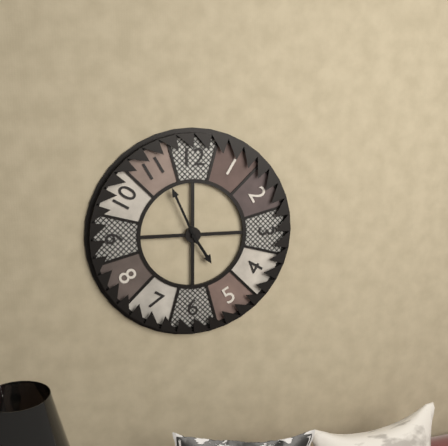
4:56
